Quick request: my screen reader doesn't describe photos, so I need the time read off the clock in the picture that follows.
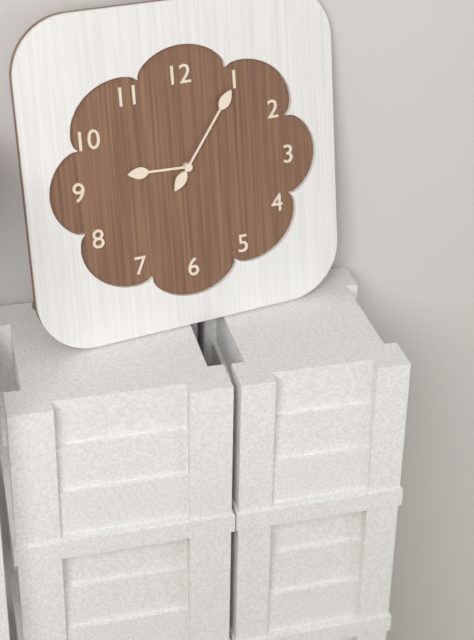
9:06
